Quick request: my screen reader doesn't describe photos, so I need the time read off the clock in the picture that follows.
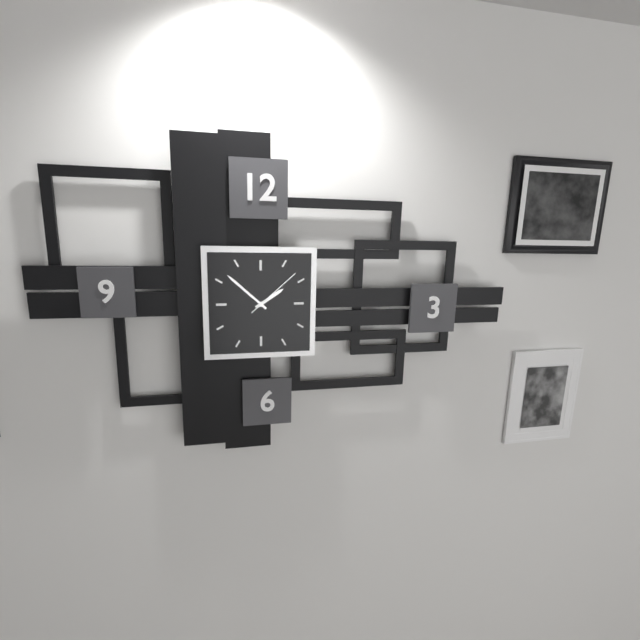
1:52:08
